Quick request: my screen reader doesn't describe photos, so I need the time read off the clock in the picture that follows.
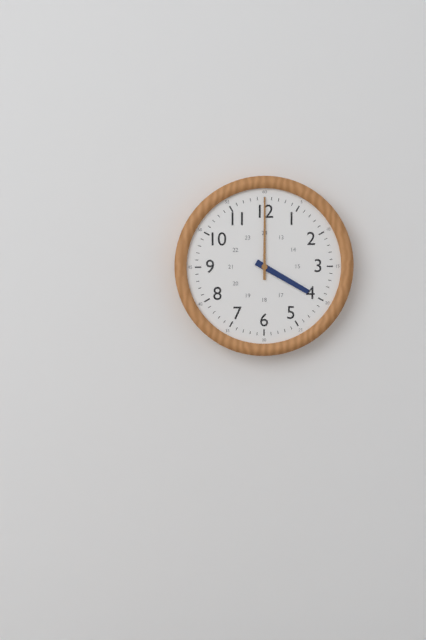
4:00
